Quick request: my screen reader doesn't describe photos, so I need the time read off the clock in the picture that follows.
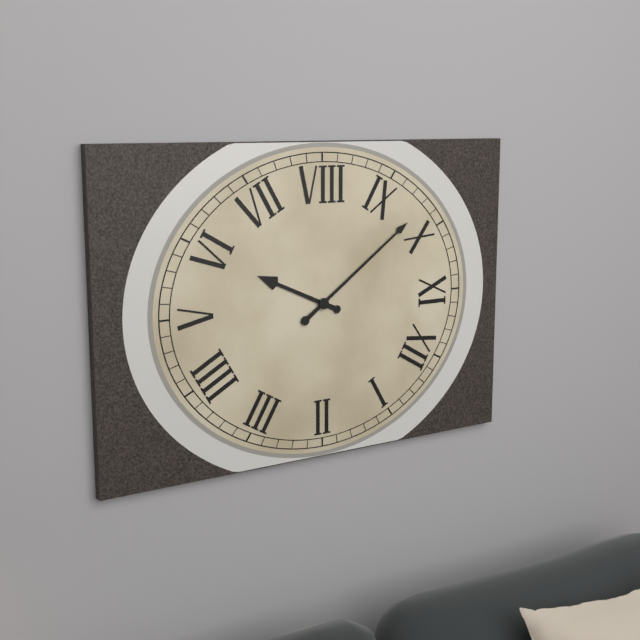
5:49
